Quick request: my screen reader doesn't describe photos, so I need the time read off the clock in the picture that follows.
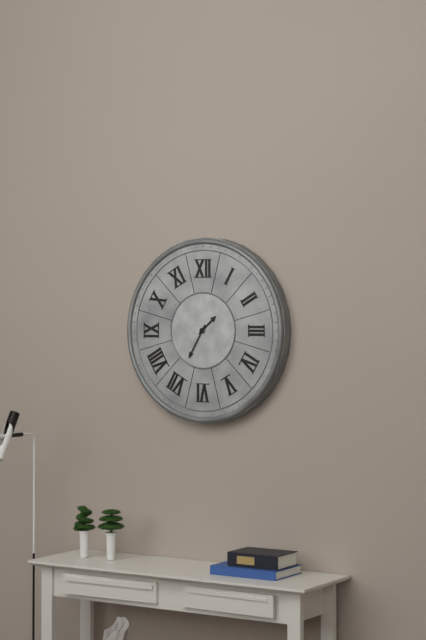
1:35
